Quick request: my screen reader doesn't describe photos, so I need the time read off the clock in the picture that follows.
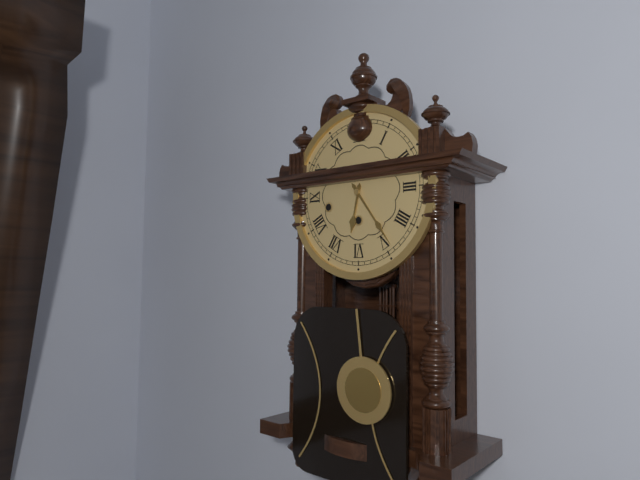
6:24
